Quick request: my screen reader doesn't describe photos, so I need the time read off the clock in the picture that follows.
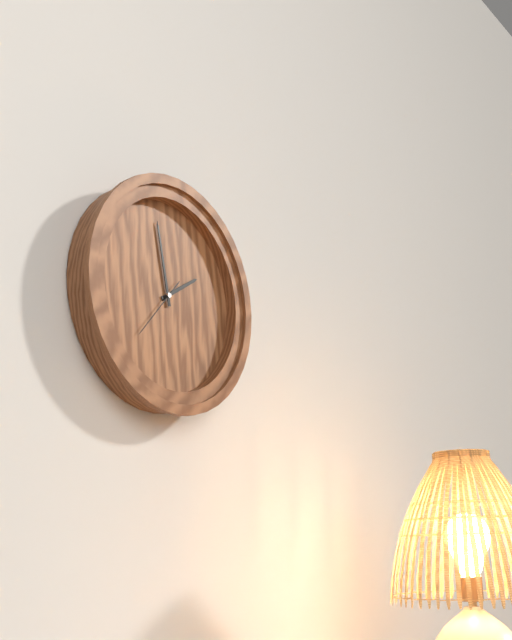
1:58:37
